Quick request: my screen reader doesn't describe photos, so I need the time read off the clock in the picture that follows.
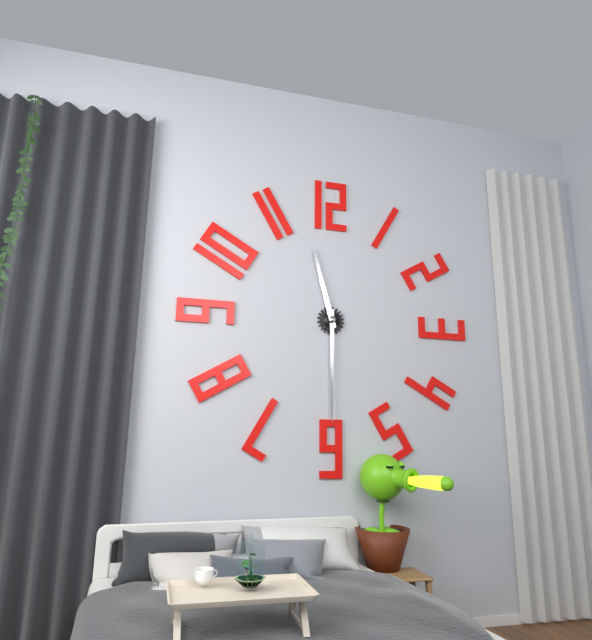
11:30
